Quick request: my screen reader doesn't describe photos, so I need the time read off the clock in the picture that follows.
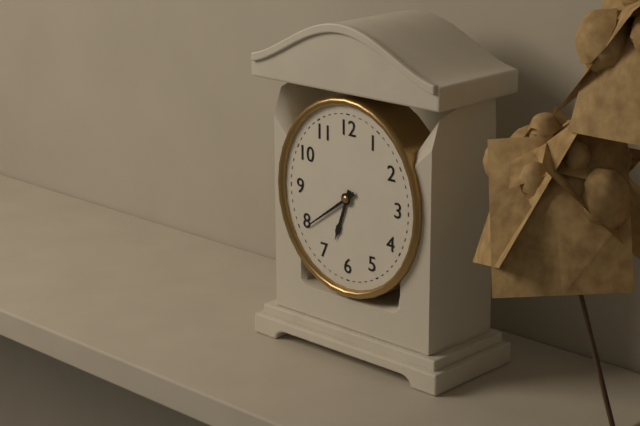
6:39
